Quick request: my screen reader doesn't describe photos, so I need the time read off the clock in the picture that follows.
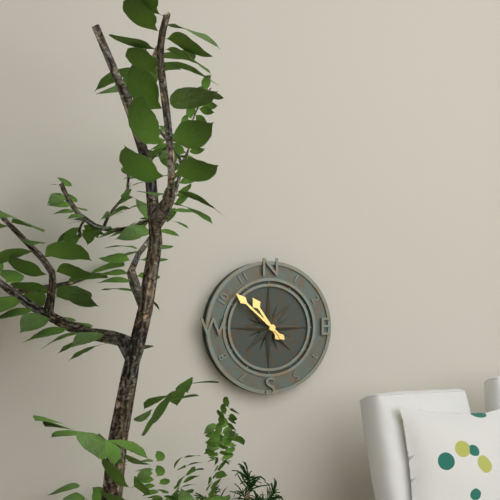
10:52
